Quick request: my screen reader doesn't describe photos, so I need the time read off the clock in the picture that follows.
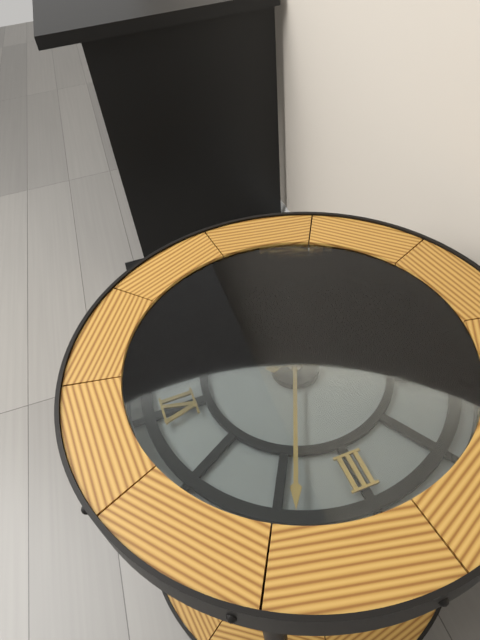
12:19
